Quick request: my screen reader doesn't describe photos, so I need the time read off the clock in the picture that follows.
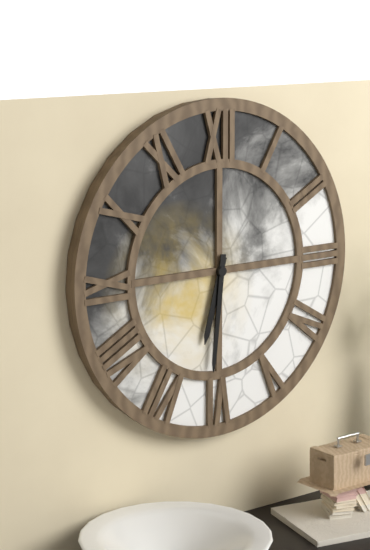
6:31
